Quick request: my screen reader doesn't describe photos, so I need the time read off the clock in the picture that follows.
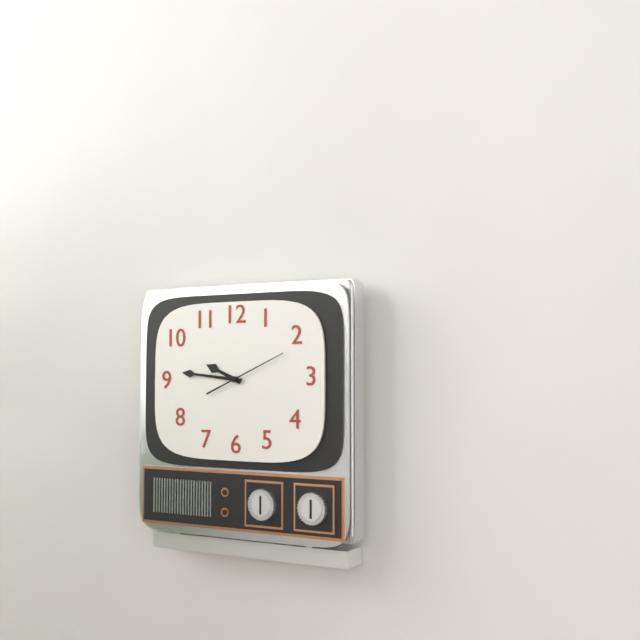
9:46:11
